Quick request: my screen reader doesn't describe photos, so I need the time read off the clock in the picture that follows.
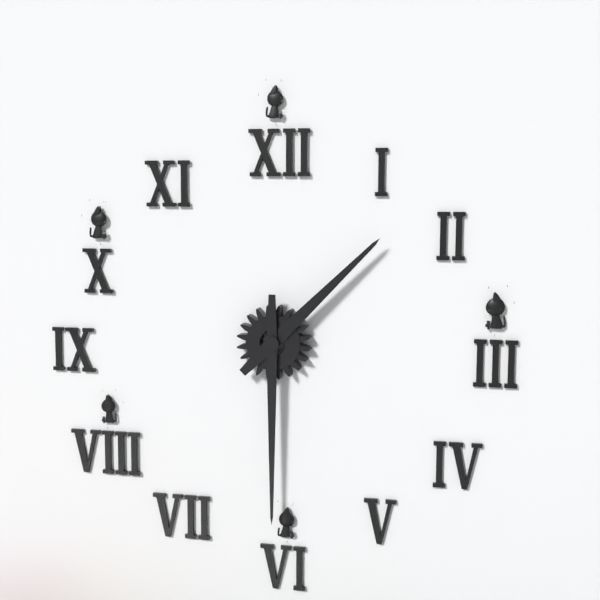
1:30
